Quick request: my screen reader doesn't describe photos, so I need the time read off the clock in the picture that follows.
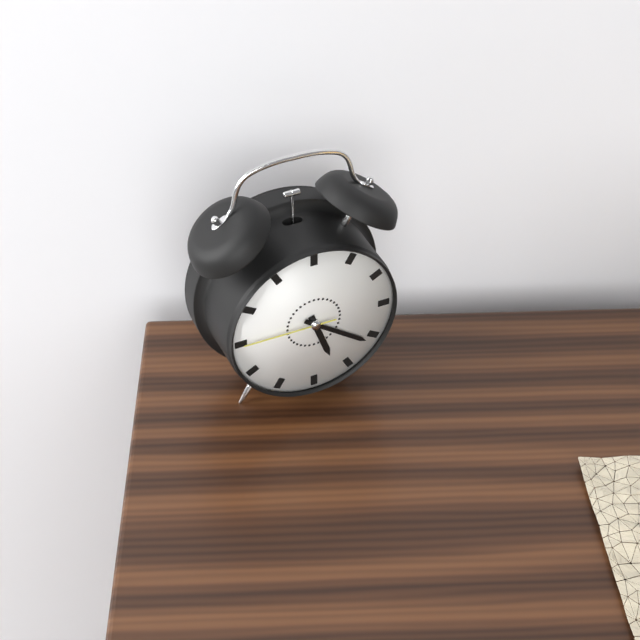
5:21:45
